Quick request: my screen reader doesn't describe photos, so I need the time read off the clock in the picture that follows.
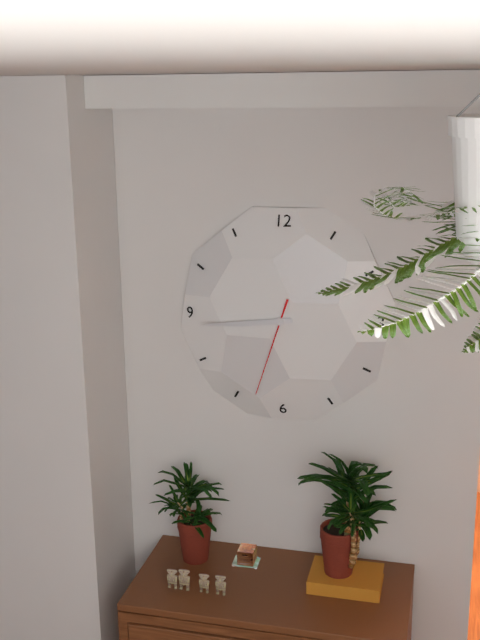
8:44:33
